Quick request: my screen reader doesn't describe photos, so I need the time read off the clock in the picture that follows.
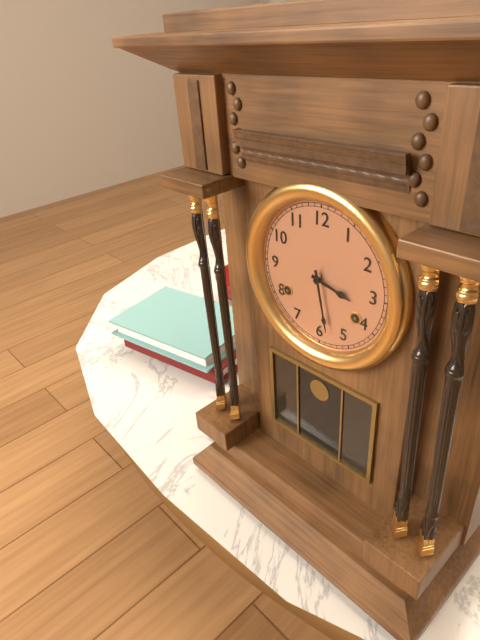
3:28
